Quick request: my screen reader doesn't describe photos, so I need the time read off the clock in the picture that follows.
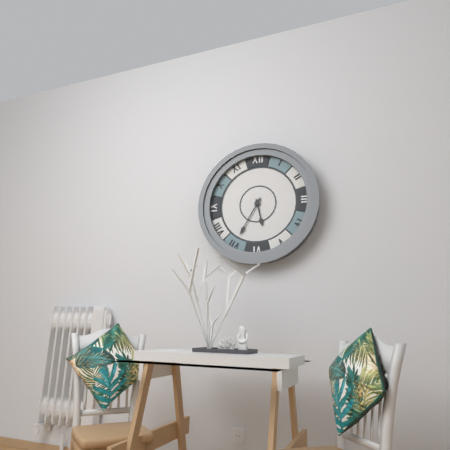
5:35
